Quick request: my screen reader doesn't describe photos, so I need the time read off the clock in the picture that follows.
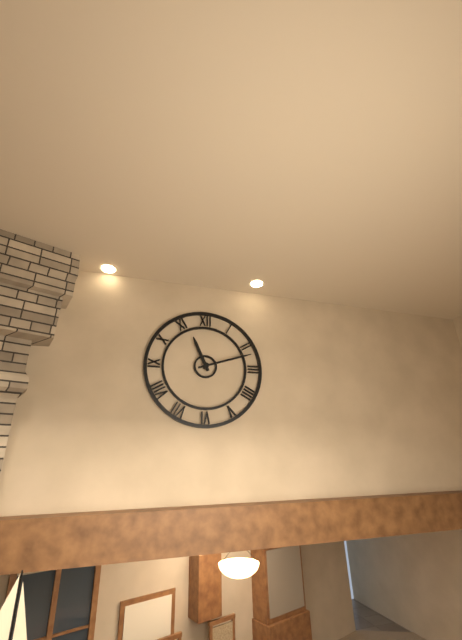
11:12
